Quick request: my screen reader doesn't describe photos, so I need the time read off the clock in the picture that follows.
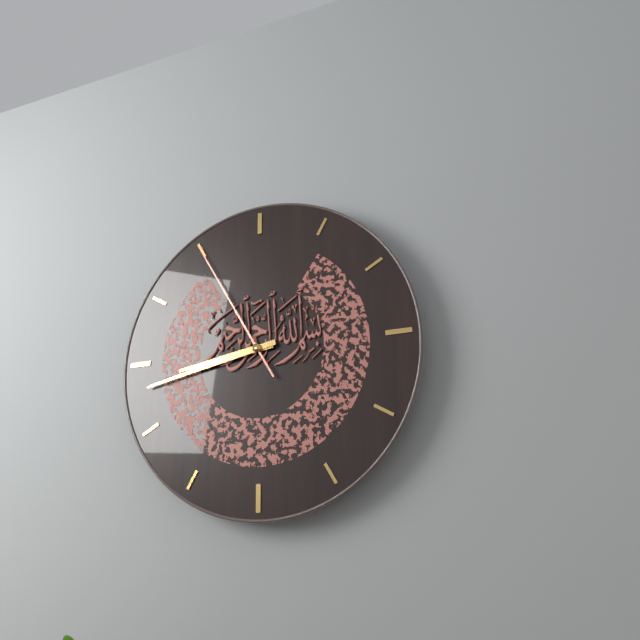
8:43:55
